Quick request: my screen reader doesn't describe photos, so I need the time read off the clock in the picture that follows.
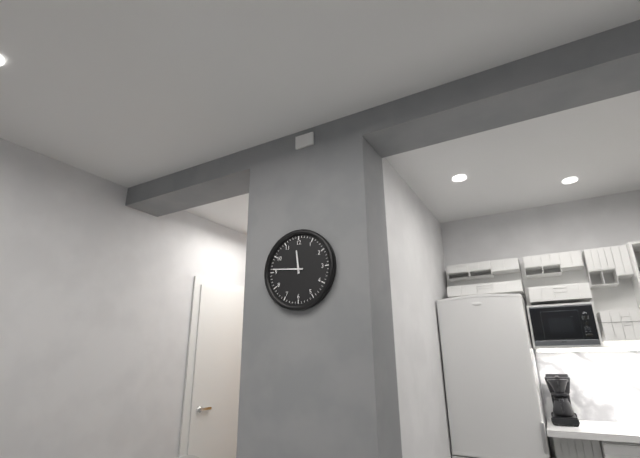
11:46
